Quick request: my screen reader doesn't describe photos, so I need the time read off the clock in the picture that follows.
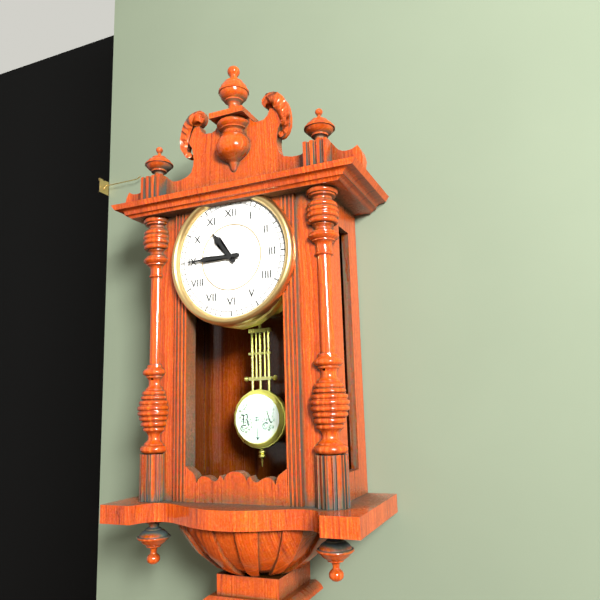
10:45
